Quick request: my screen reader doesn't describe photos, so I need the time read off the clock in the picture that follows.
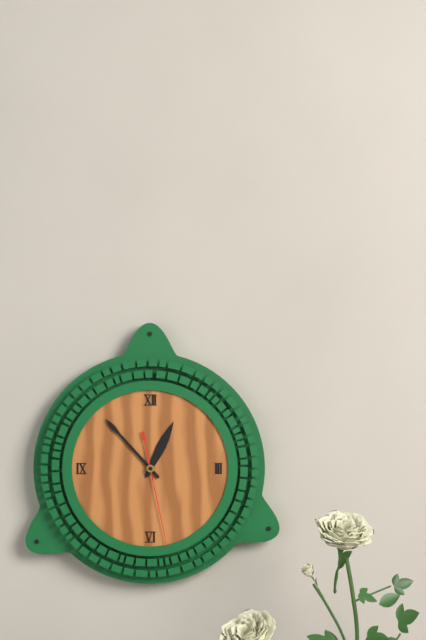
12:53:28
